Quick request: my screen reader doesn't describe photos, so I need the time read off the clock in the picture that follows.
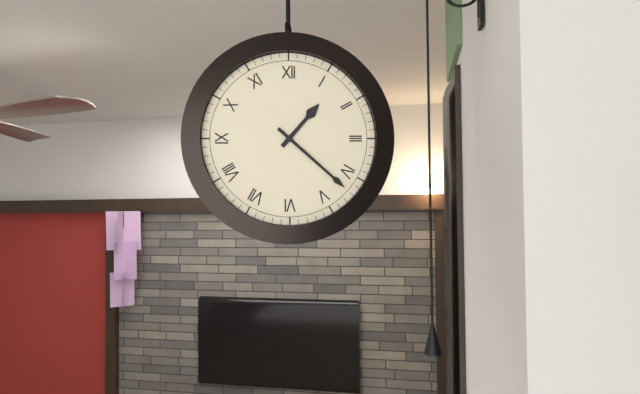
1:22
